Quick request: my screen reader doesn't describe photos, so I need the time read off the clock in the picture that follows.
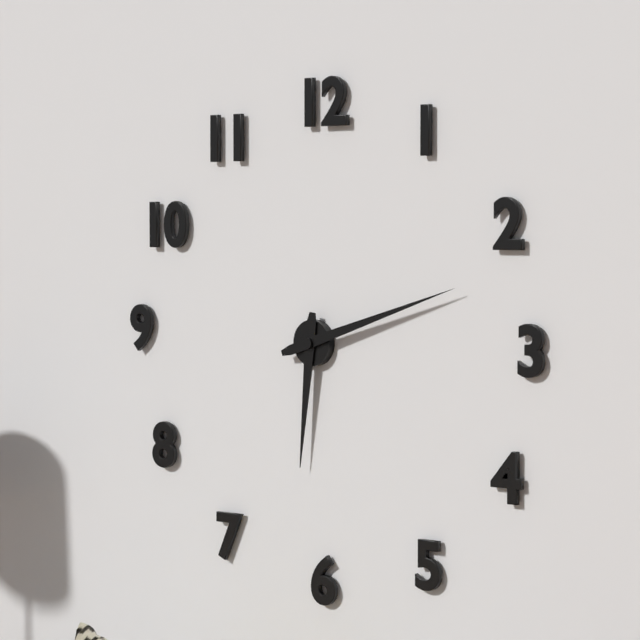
6:12
